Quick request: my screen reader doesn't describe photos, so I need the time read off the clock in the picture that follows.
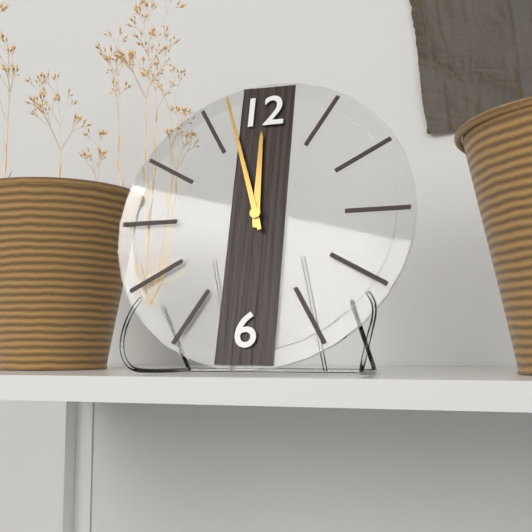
11:57
